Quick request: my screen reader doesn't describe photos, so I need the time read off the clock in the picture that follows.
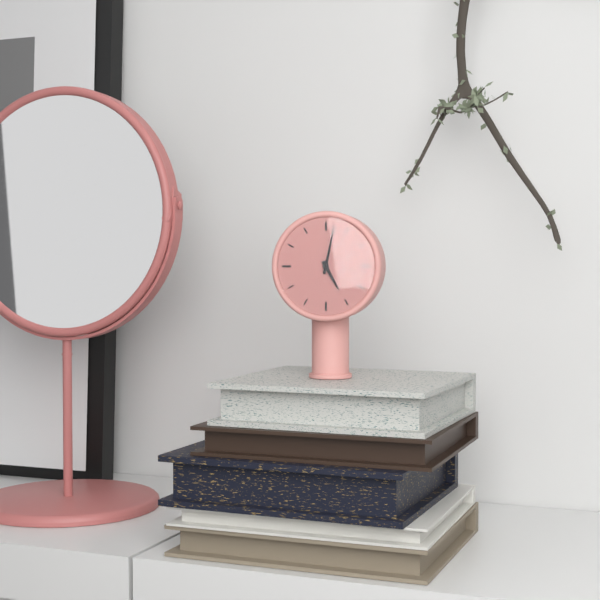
5:02
